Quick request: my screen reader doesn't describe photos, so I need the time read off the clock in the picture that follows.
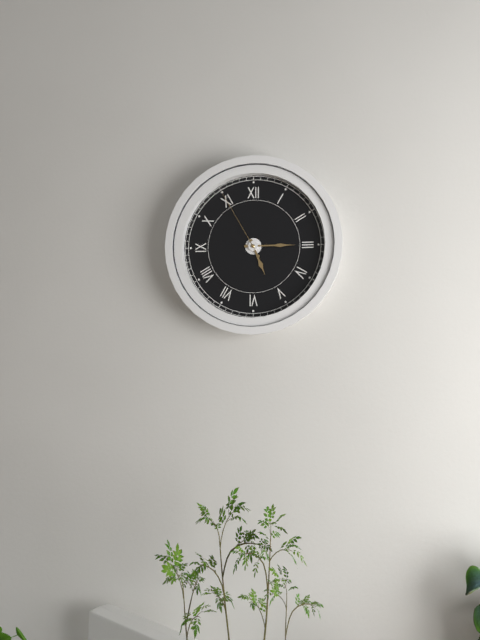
5:15:55
